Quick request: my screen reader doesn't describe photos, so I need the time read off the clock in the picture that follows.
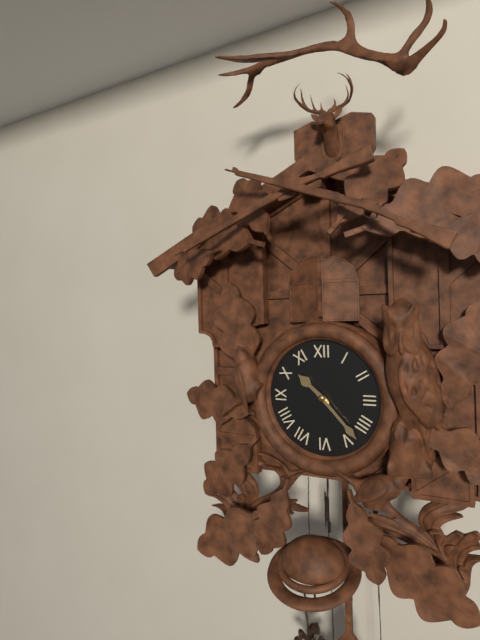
10:23
